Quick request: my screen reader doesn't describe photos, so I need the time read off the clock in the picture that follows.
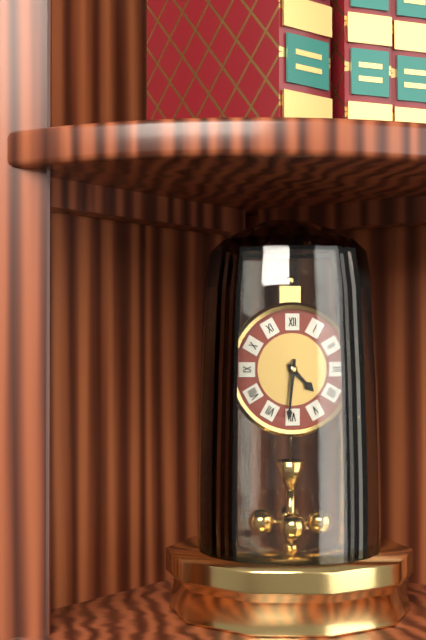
4:31
